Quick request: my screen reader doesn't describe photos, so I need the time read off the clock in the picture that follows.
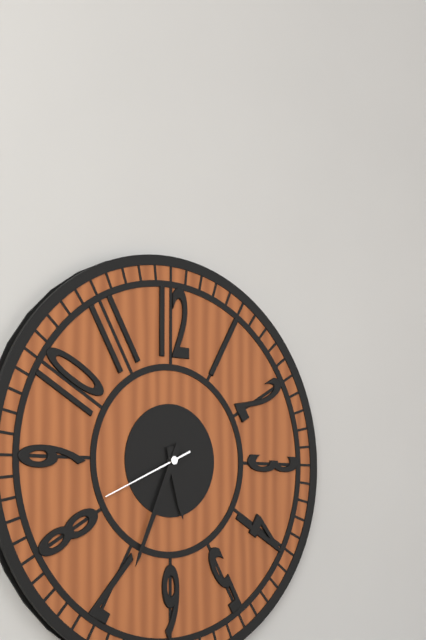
5:34:41
